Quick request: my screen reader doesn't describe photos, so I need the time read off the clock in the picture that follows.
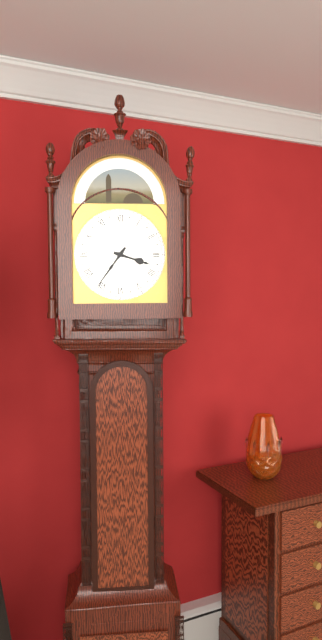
3:36
